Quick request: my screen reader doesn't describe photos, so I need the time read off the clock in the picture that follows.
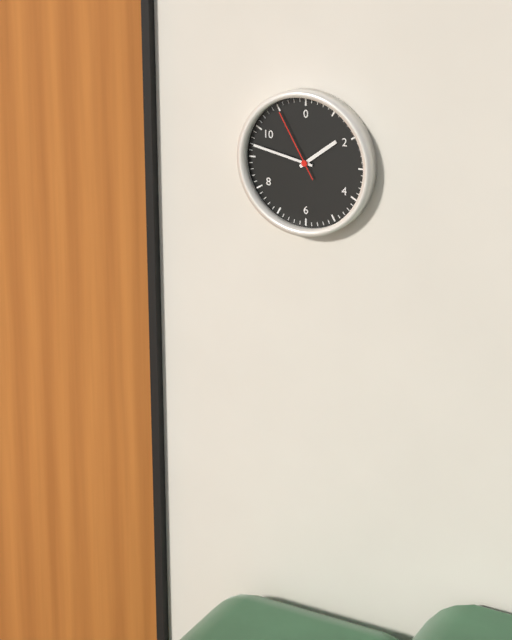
1:47:55
